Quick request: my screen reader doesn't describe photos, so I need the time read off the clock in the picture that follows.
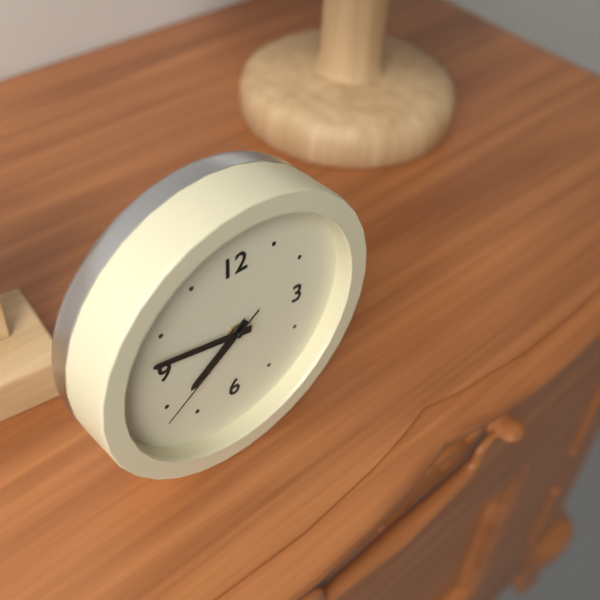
7:47:39
